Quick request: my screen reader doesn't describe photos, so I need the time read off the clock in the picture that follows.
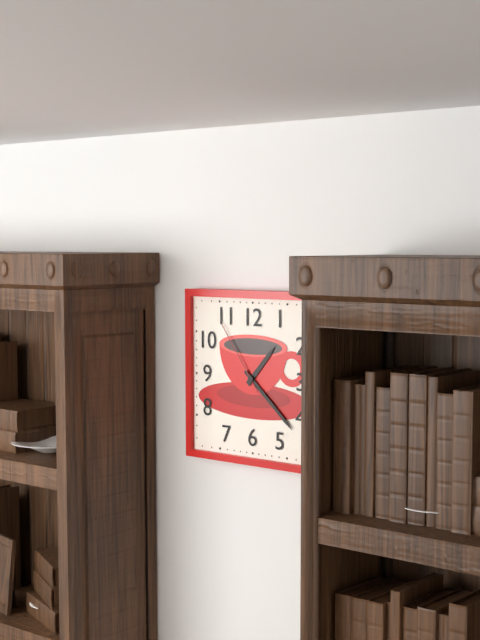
1:22:54
